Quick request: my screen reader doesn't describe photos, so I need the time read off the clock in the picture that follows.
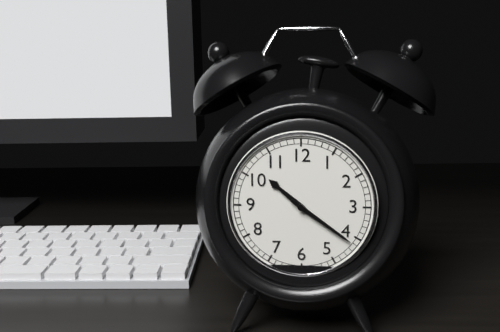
10:21
